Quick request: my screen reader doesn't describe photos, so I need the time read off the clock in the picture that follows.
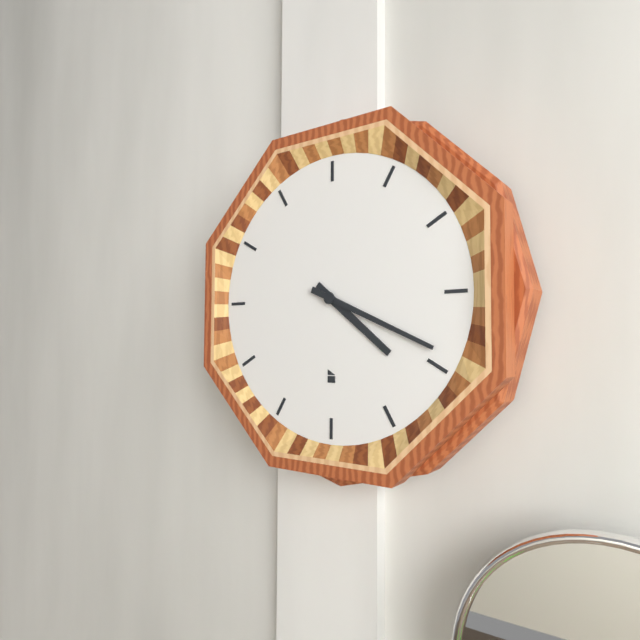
4:19
